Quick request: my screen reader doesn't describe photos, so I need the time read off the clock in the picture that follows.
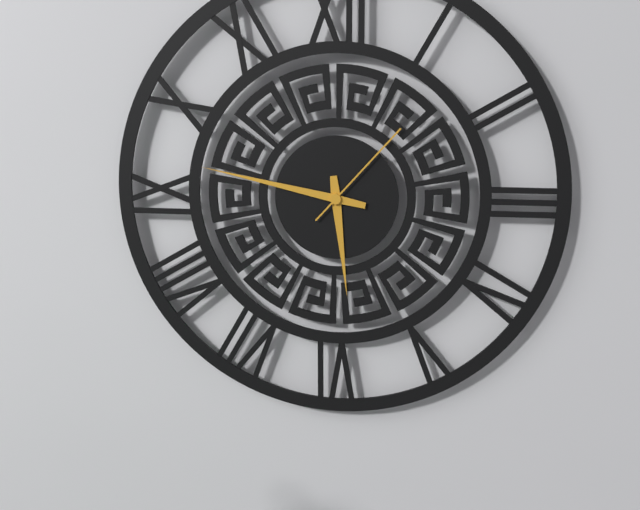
5:47:07
